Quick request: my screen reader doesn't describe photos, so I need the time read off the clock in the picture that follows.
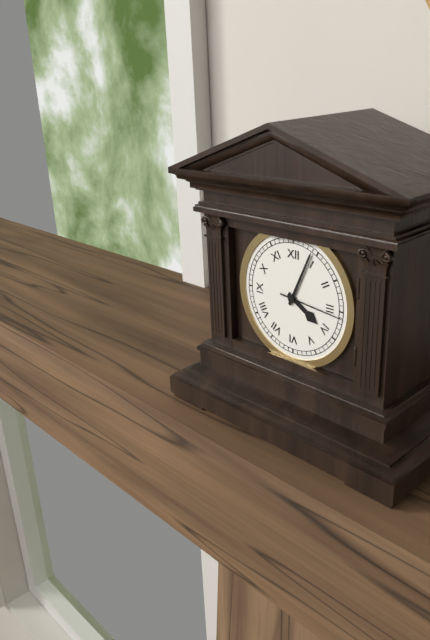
4:04:16
